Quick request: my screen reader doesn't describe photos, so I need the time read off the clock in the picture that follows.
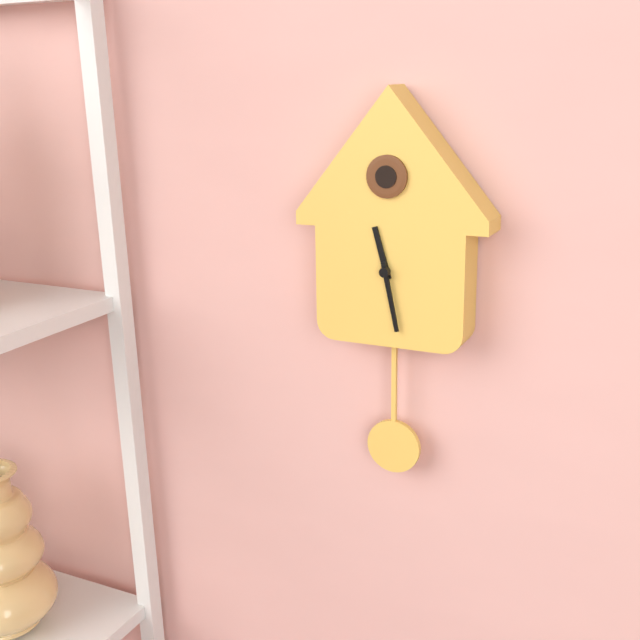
11:28
